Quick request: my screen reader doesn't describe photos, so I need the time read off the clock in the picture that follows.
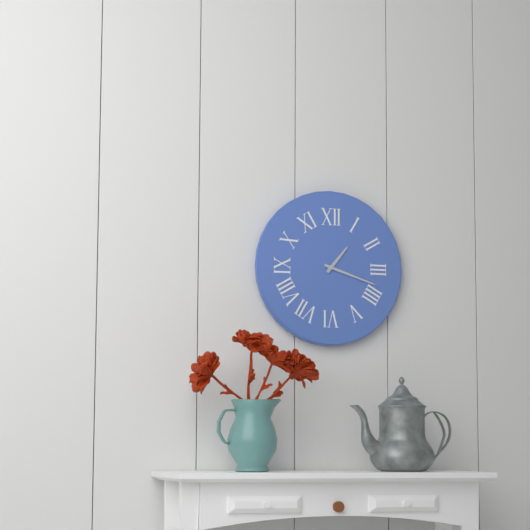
1:18
